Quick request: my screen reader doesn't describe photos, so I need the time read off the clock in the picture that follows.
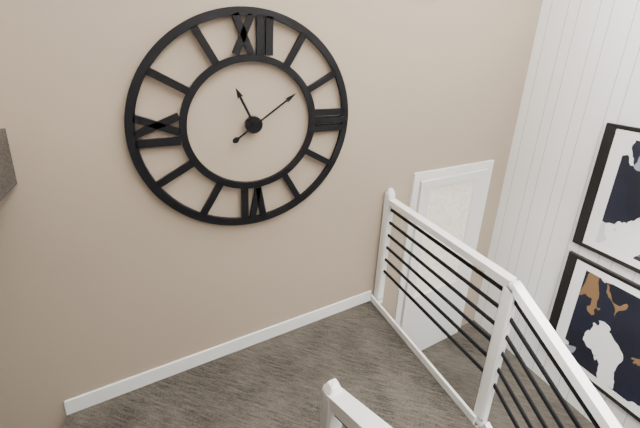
11:09
